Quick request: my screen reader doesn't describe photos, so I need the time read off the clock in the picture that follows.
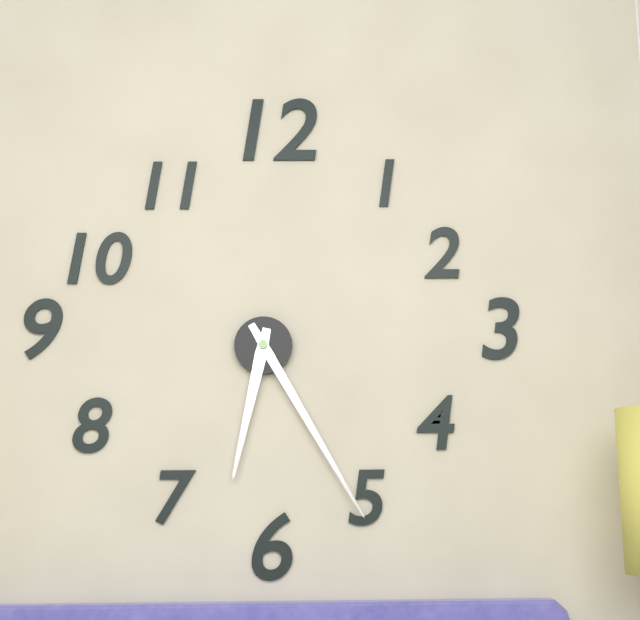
6:25
